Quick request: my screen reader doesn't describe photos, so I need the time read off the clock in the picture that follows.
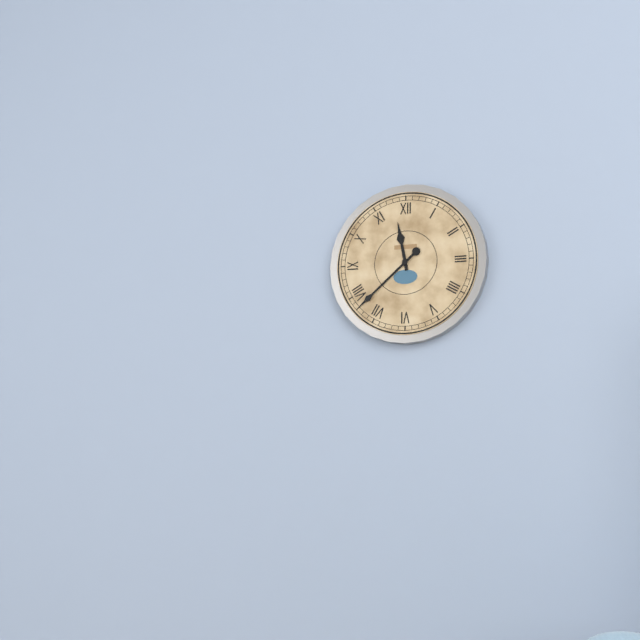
11:38
